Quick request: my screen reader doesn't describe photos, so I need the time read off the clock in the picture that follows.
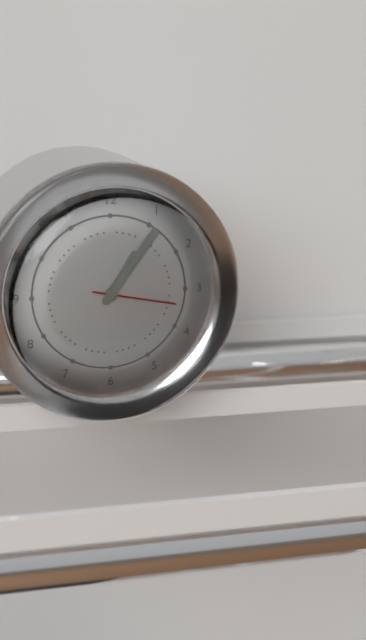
1:06:17
